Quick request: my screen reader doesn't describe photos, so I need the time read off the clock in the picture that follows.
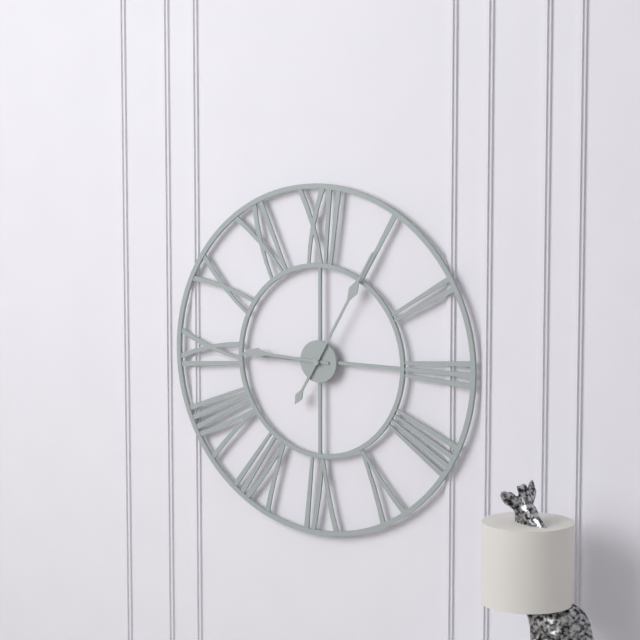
9:05
